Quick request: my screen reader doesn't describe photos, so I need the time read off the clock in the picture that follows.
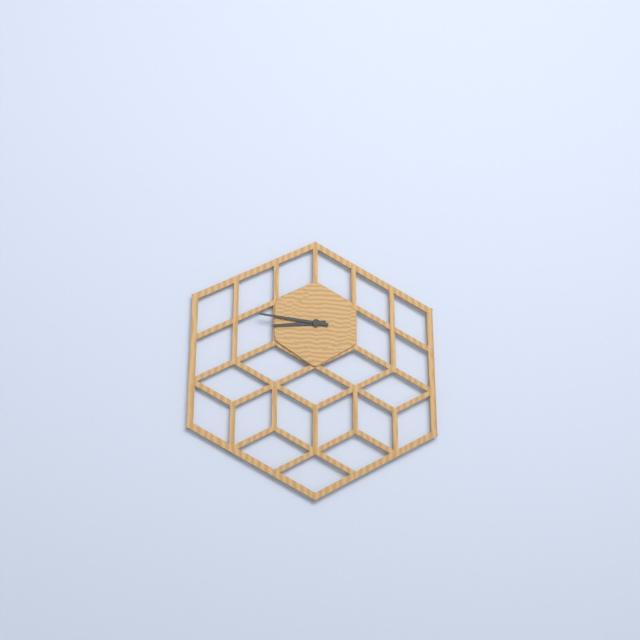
8:46
